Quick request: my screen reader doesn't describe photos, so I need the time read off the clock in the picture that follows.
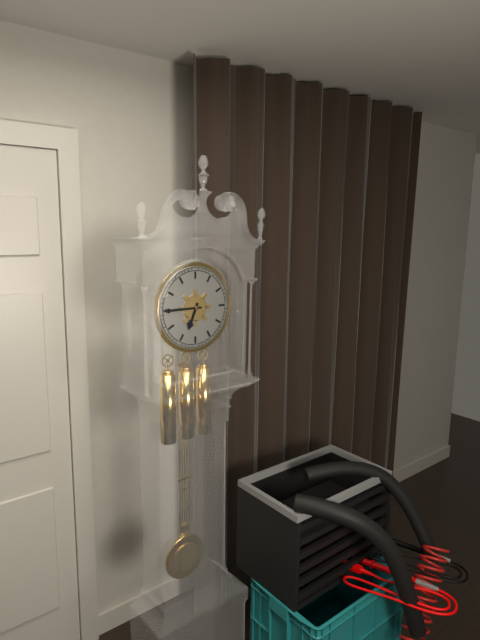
6:45
